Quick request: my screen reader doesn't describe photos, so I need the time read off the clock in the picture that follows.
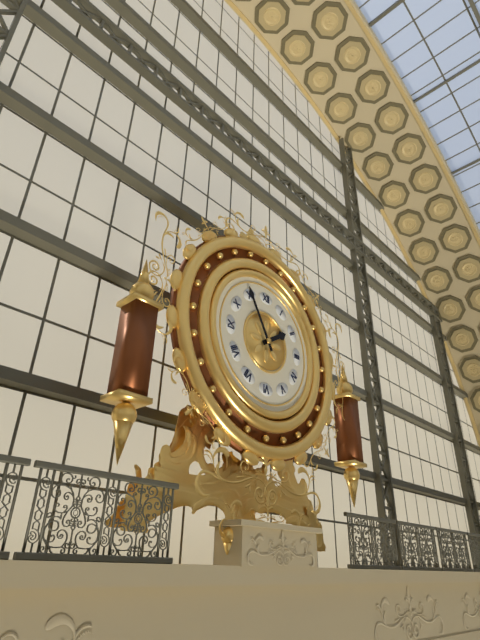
1:55
